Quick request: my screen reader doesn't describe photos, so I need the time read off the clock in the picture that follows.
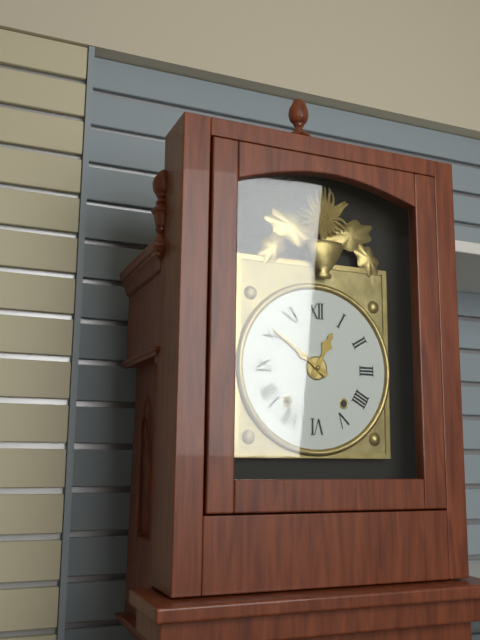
12:51
